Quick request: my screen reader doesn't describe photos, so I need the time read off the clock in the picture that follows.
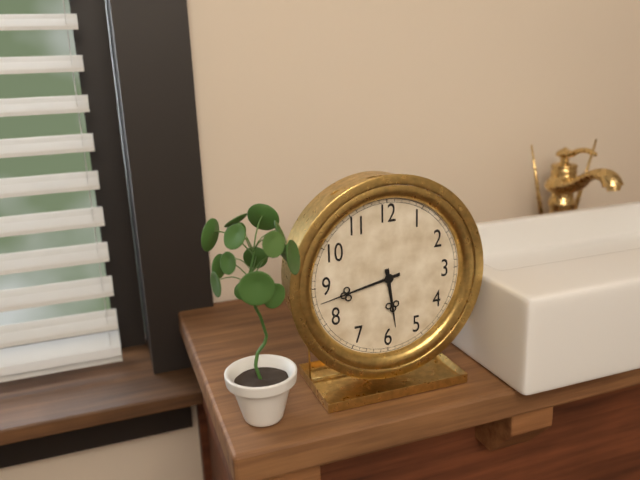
5:43
